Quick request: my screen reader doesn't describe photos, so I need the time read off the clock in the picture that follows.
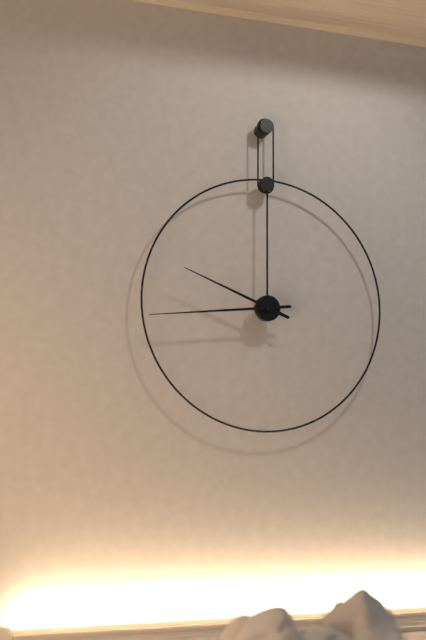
9:44
